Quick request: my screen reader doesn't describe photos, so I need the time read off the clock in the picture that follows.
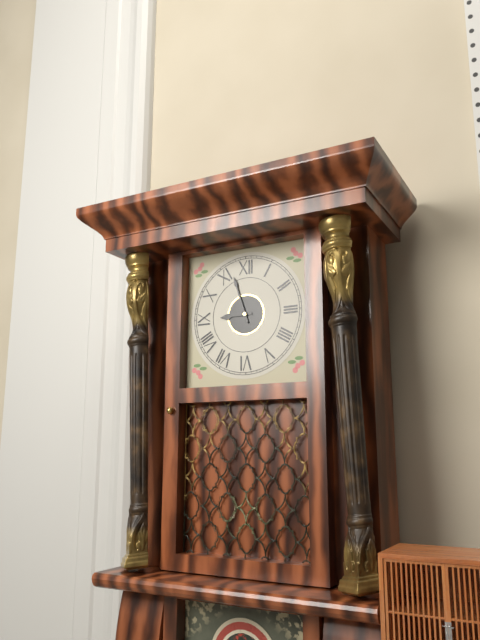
8:57
